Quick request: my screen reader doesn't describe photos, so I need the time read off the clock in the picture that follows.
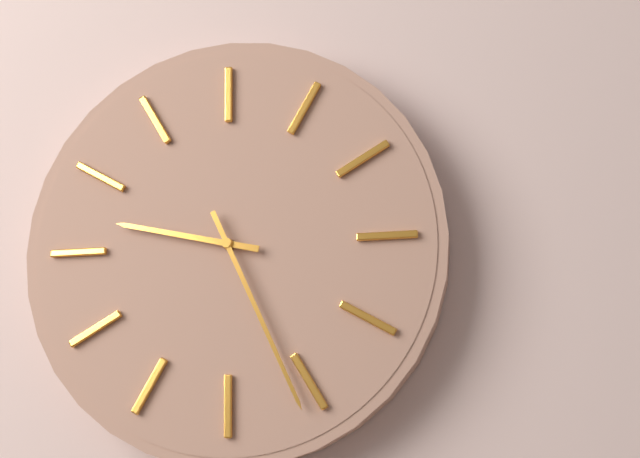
9:26
